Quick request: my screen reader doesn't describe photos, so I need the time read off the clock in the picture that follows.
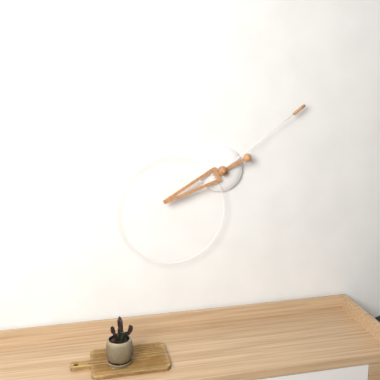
8:09
